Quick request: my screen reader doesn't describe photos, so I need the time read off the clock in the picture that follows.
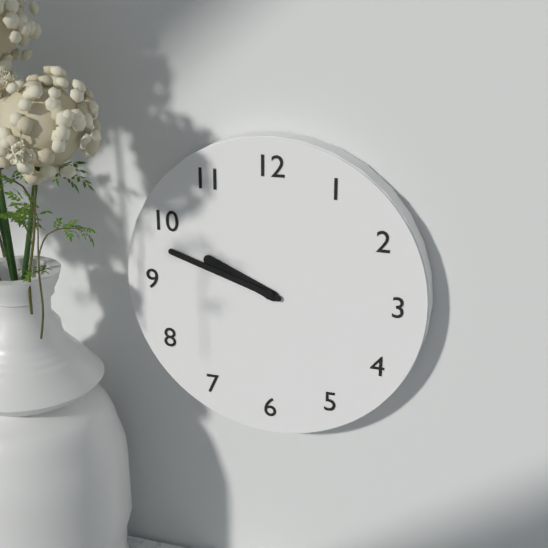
9:48
